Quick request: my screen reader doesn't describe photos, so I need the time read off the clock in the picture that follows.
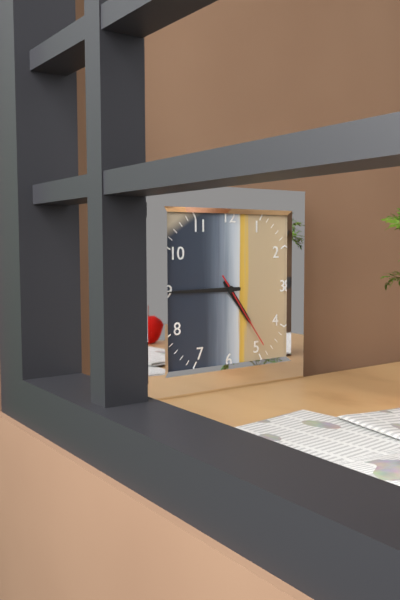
4:45:24
